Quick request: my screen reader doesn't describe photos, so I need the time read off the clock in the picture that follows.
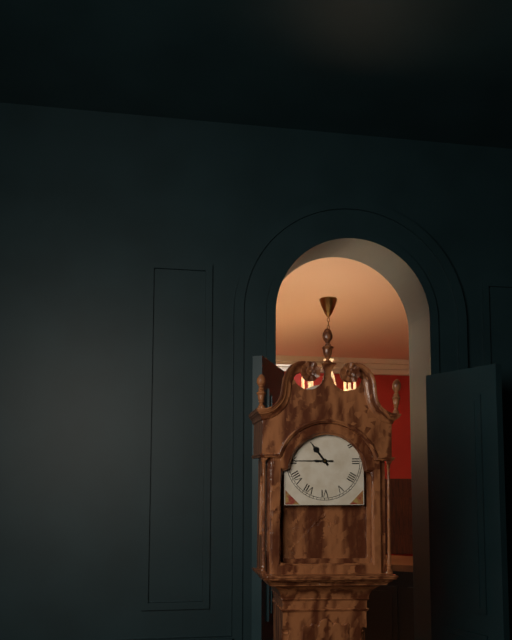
10:45
